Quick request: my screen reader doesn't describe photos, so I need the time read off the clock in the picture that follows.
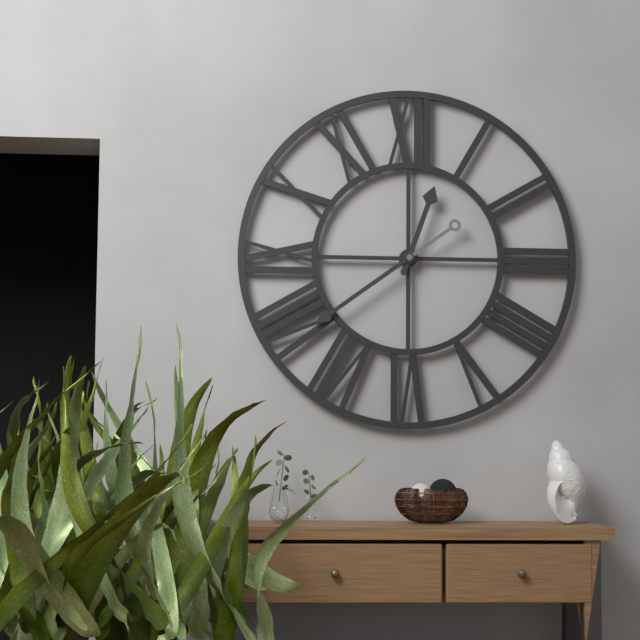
12:39
